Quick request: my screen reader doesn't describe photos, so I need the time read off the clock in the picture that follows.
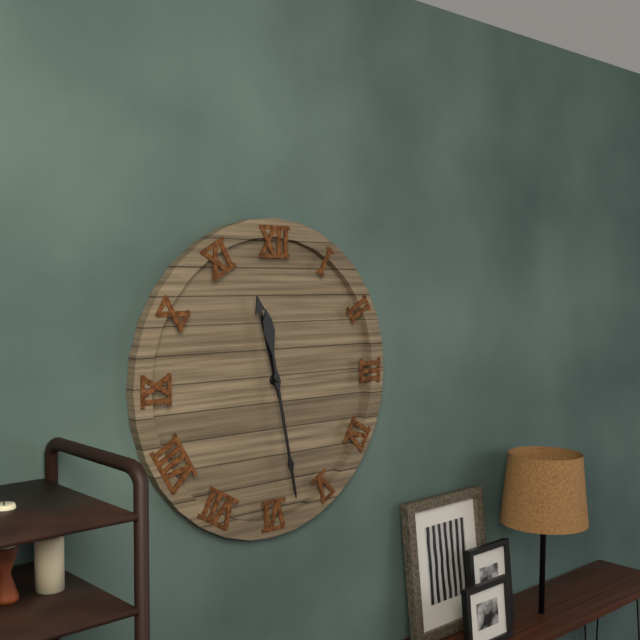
11:28
